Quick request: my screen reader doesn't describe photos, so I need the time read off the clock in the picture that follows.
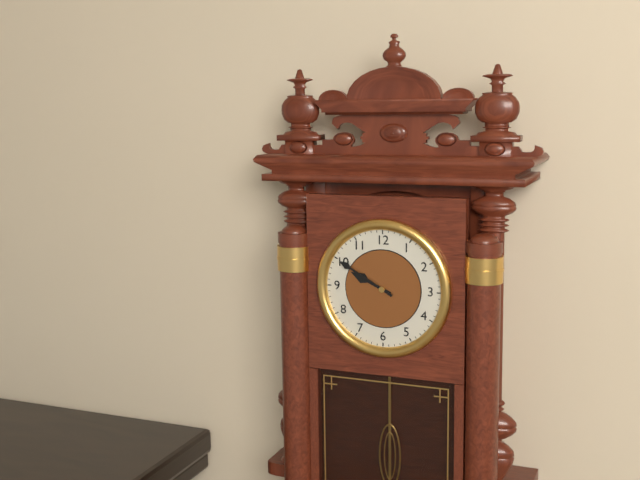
9:50
